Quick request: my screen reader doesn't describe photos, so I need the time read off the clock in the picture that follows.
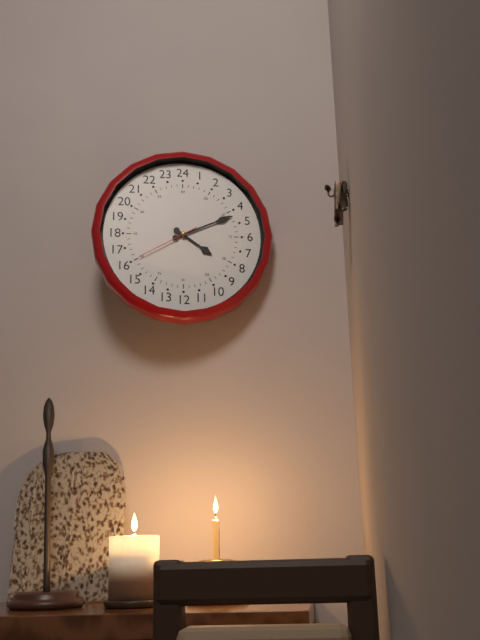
4:11:40
